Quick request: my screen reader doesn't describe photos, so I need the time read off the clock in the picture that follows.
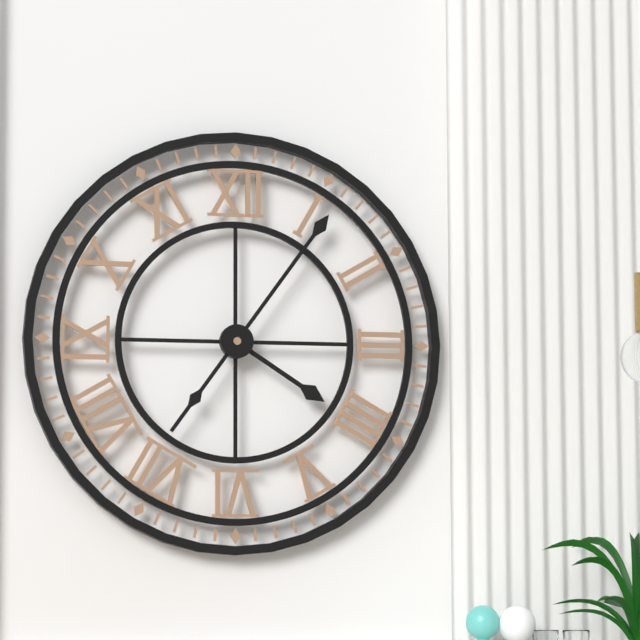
4:06
